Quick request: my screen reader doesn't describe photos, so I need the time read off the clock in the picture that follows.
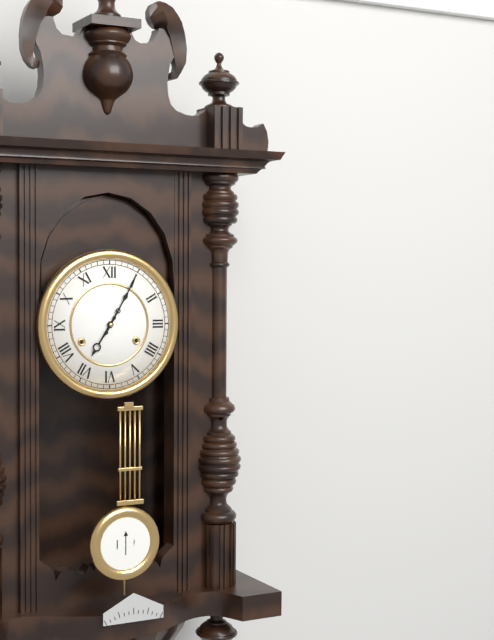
7:05
